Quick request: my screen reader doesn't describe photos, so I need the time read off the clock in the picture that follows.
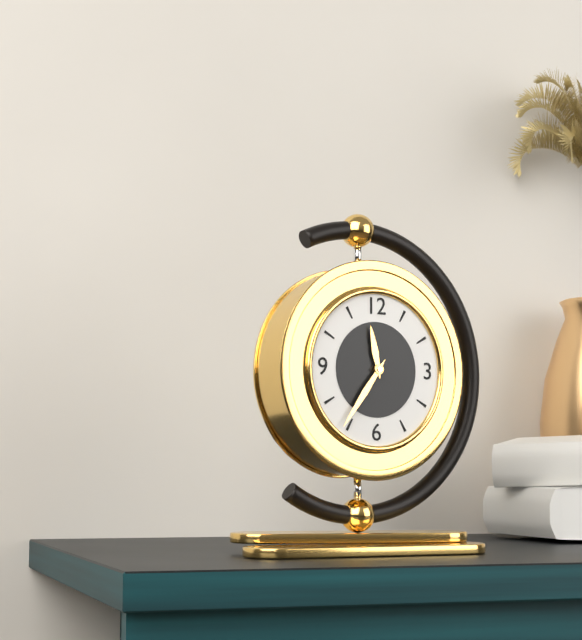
11:36
